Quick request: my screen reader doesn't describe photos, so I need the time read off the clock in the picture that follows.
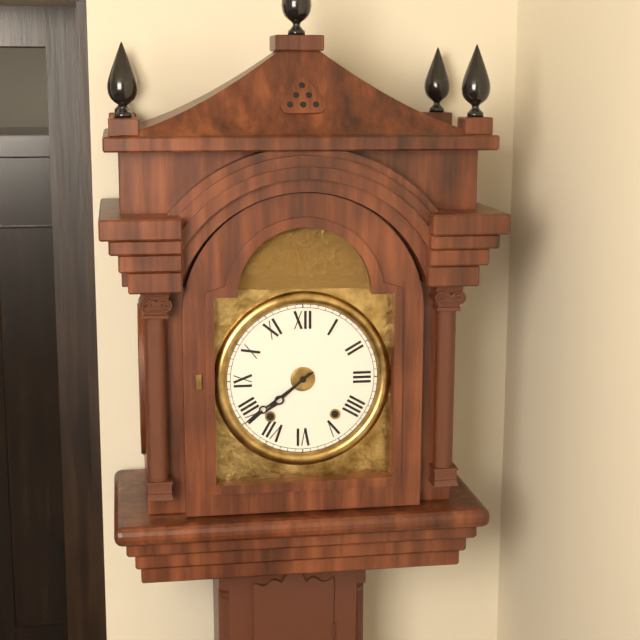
7:39
